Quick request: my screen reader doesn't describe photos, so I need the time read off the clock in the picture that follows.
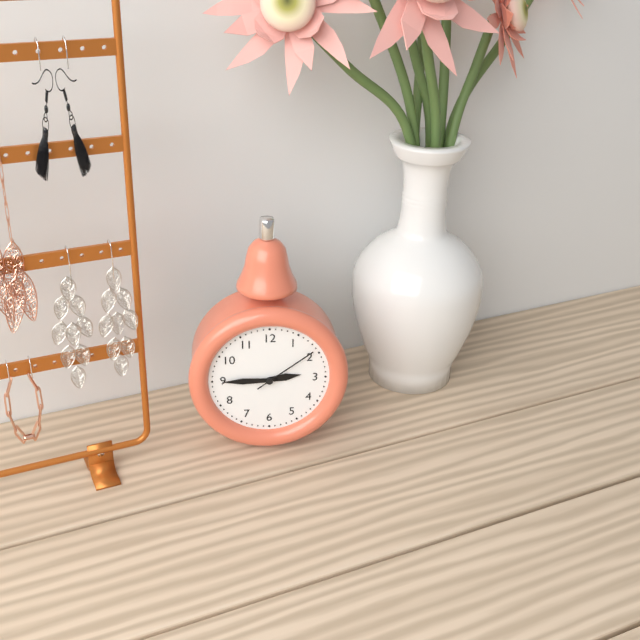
2:45:09
